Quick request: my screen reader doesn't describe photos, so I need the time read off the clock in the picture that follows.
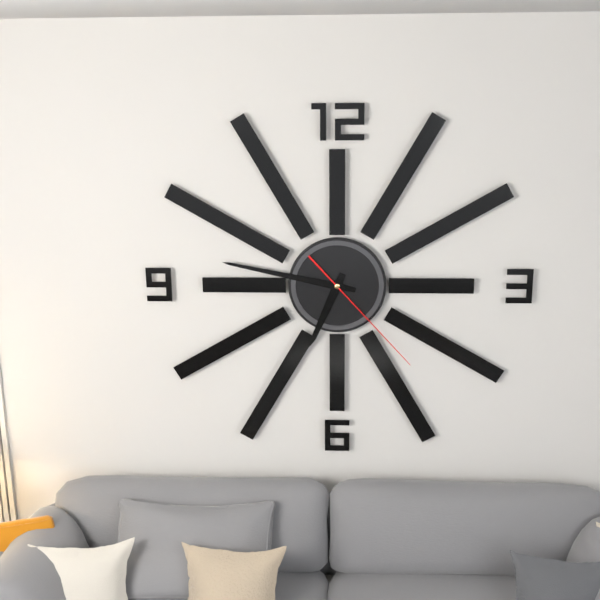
6:47:23
